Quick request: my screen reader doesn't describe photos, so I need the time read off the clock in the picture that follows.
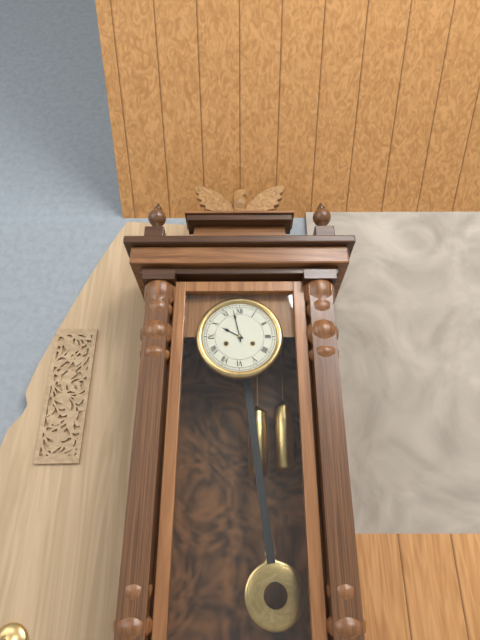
9:58
